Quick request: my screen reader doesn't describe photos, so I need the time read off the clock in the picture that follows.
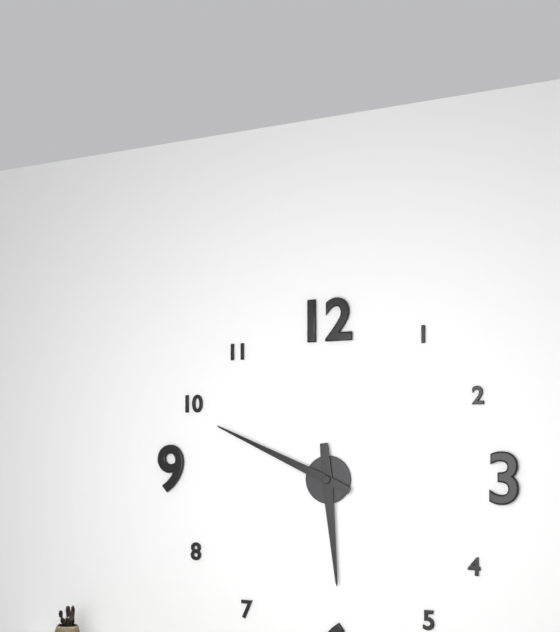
5:49
